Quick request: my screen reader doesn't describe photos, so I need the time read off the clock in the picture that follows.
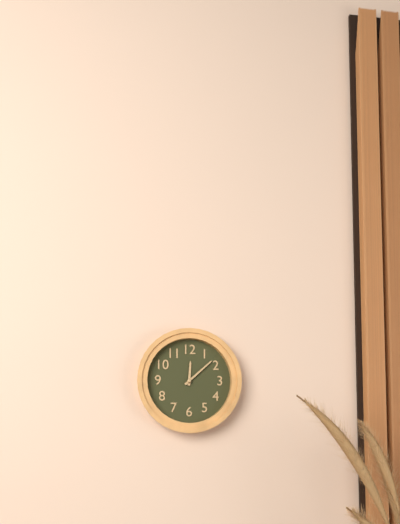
12:08
